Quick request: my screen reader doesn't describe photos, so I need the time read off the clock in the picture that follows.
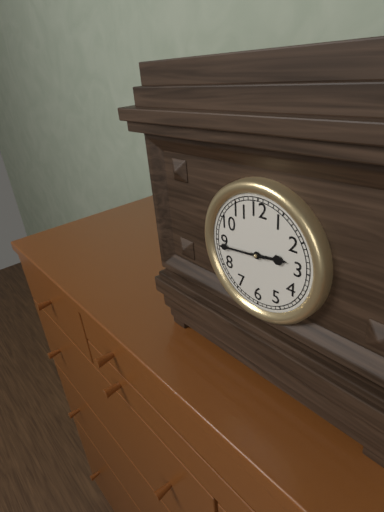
2:44
